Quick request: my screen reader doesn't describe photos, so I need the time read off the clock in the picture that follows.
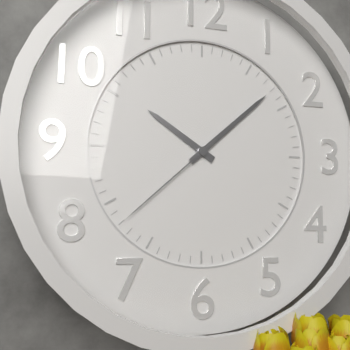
10:08:38
